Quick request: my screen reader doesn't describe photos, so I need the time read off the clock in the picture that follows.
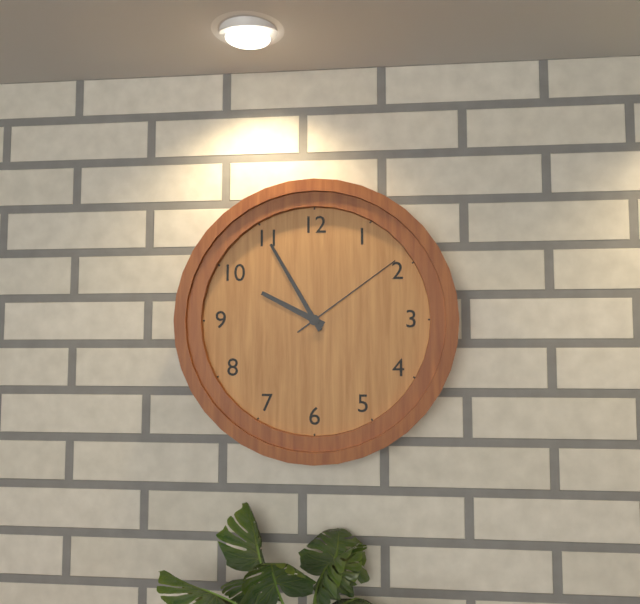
9:55:09
